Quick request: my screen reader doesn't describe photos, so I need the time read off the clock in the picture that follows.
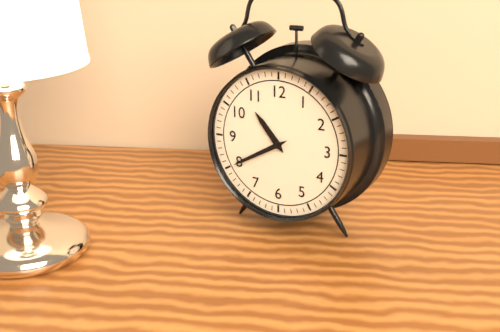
10:40
